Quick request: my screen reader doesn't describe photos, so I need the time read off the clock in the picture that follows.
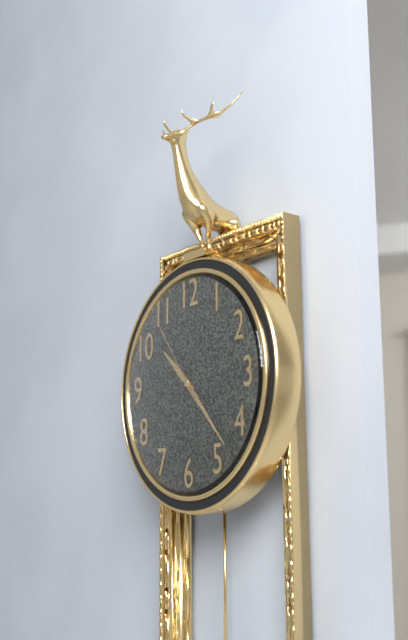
10:23:54
